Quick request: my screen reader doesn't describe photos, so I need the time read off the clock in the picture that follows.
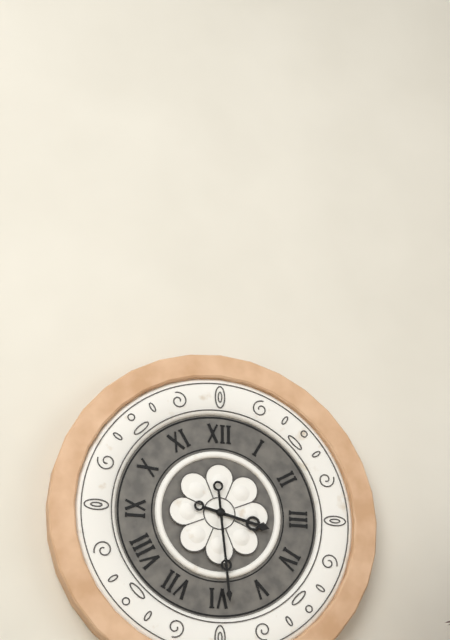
3:29
